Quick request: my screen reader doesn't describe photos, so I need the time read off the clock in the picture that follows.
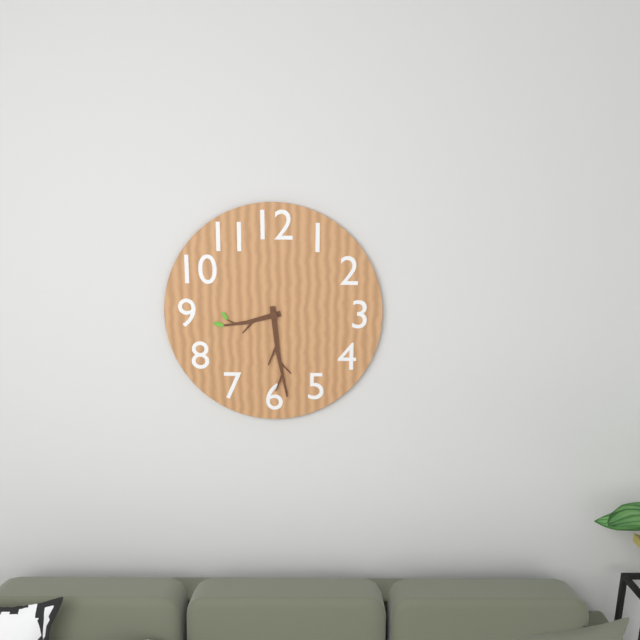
8:29
